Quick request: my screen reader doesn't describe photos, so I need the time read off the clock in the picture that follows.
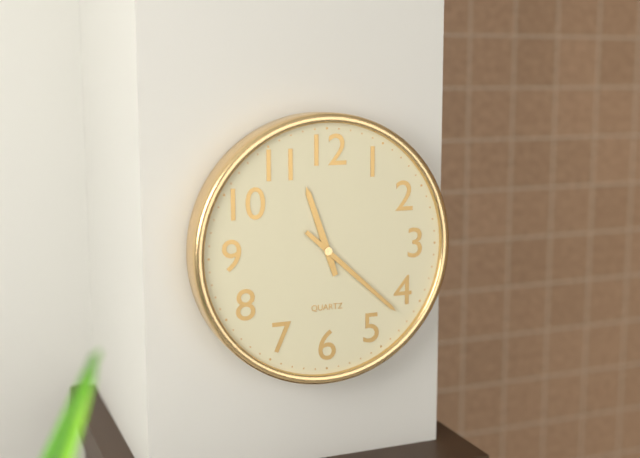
11:22
